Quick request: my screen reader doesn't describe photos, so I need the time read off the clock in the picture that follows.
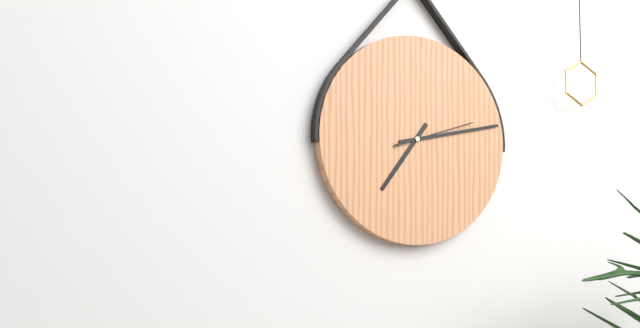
7:13:12
